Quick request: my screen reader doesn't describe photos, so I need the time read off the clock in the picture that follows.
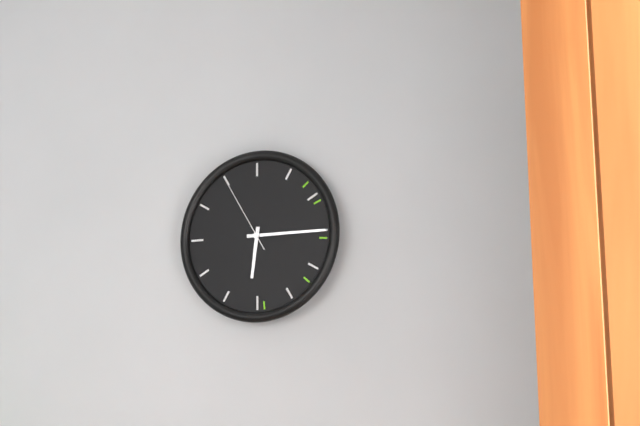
6:15:55
